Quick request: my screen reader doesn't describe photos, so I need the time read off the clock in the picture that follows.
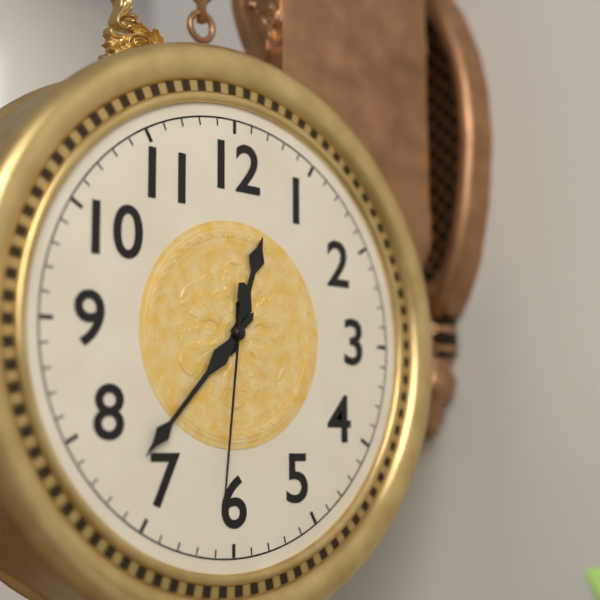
12:37:31
